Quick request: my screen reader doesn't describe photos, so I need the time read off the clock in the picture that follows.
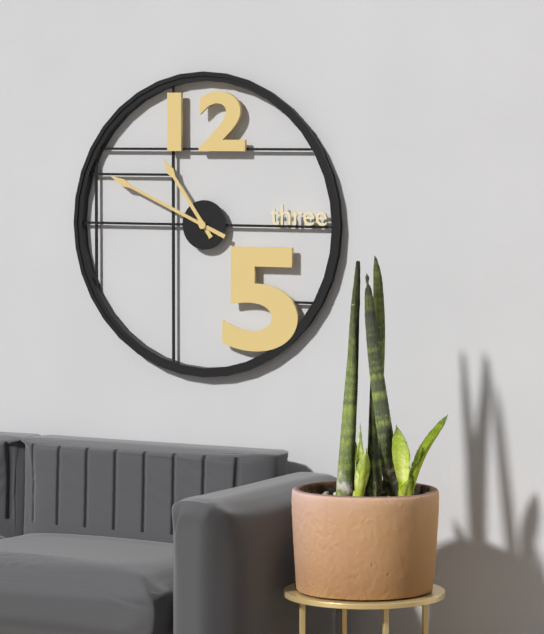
10:49
